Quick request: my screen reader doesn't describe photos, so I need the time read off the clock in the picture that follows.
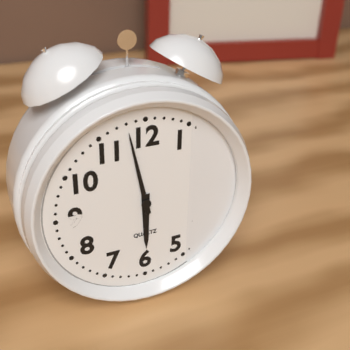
5:58
